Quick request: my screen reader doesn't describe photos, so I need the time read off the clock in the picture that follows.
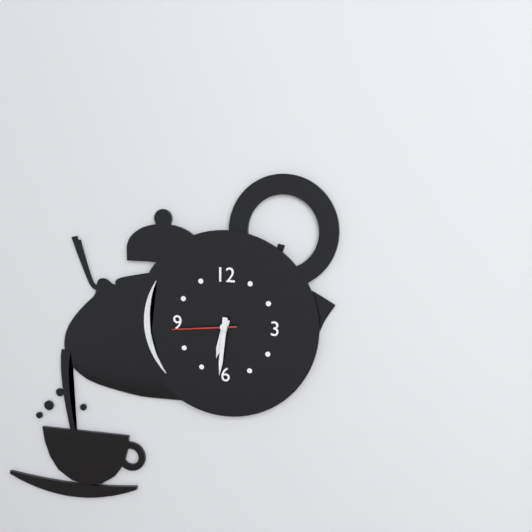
6:31:44
